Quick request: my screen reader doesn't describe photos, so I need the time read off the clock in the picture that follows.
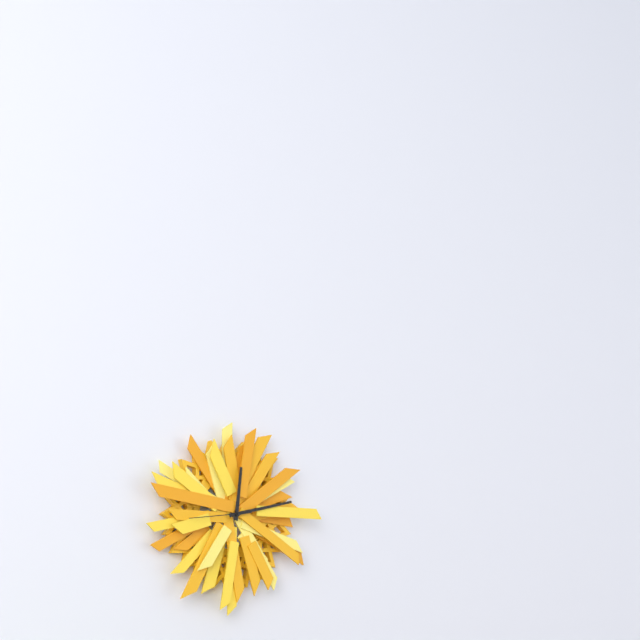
12:13:44
